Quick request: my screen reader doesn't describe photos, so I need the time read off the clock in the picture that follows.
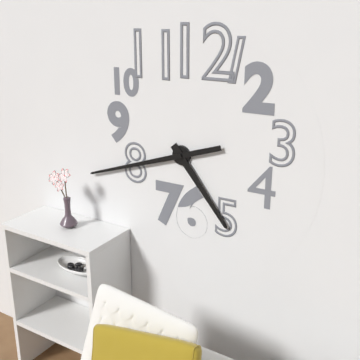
4:42
